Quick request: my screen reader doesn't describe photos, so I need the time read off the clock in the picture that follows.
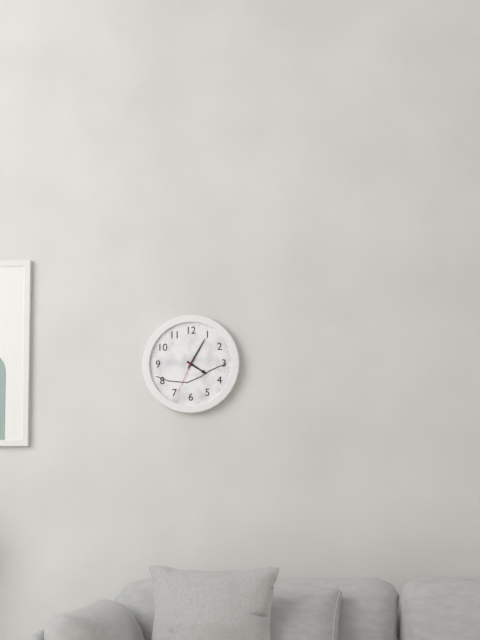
4:05
